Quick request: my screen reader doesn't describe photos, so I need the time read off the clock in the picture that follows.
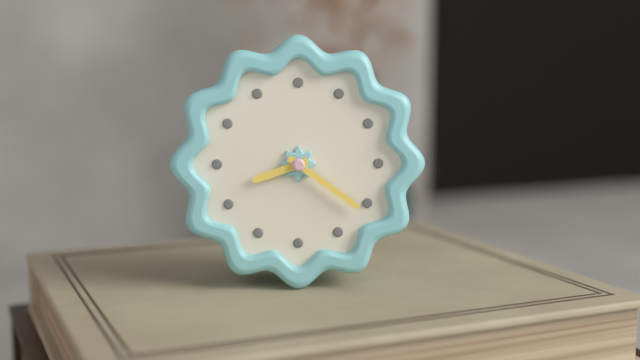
8:21
